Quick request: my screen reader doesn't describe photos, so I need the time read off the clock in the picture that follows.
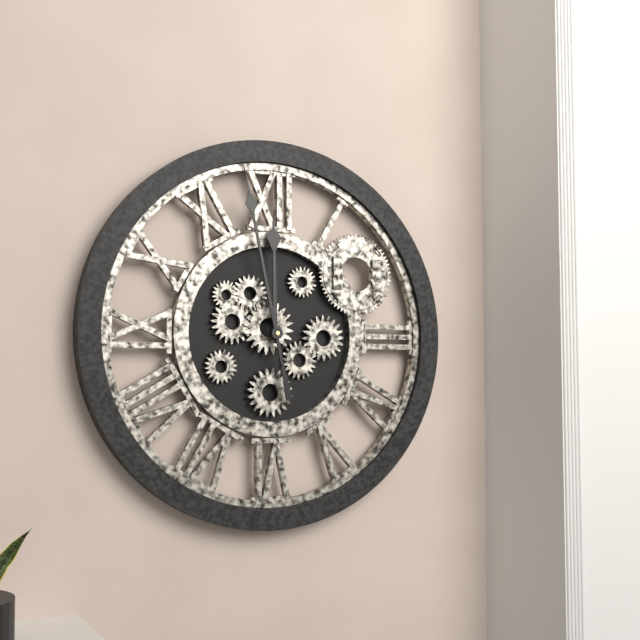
11:58
